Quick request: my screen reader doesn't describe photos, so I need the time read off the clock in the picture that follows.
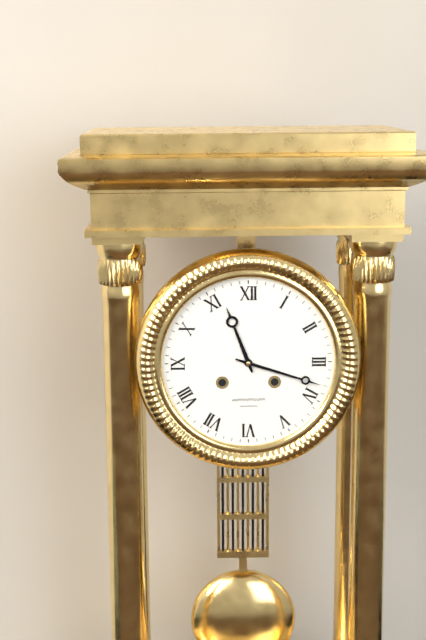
11:18
